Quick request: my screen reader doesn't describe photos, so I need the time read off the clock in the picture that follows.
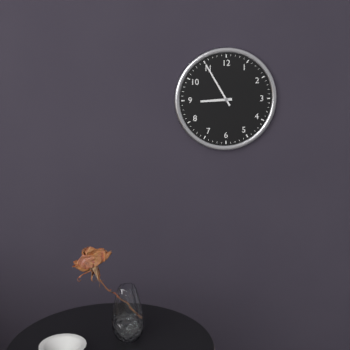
8:55
